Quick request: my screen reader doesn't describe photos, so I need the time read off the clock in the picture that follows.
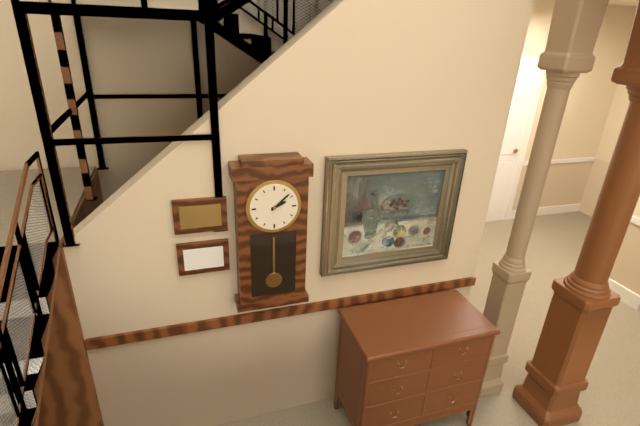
2:08
